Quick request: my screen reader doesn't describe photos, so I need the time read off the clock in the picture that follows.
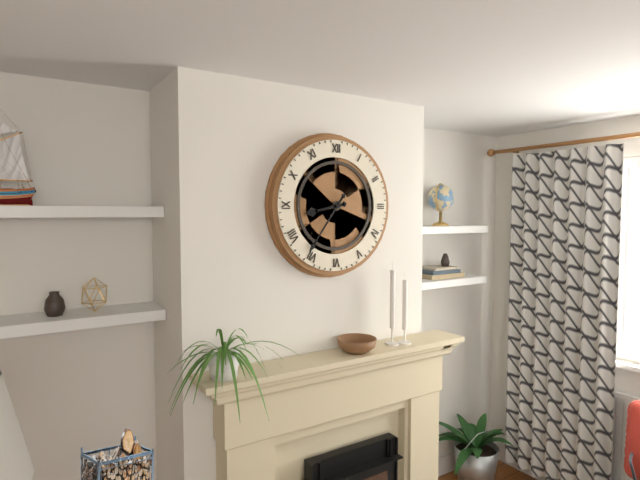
8:36
